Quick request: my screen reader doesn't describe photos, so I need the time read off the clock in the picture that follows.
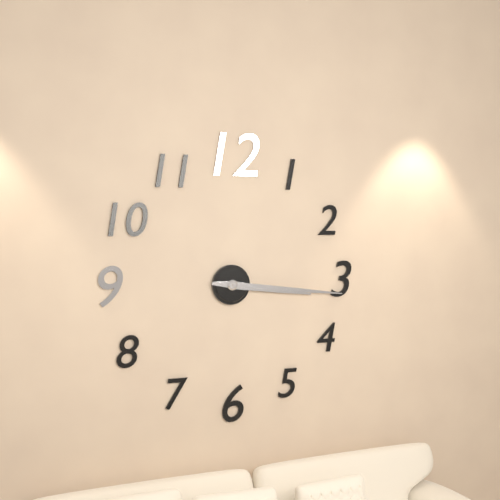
3:16
